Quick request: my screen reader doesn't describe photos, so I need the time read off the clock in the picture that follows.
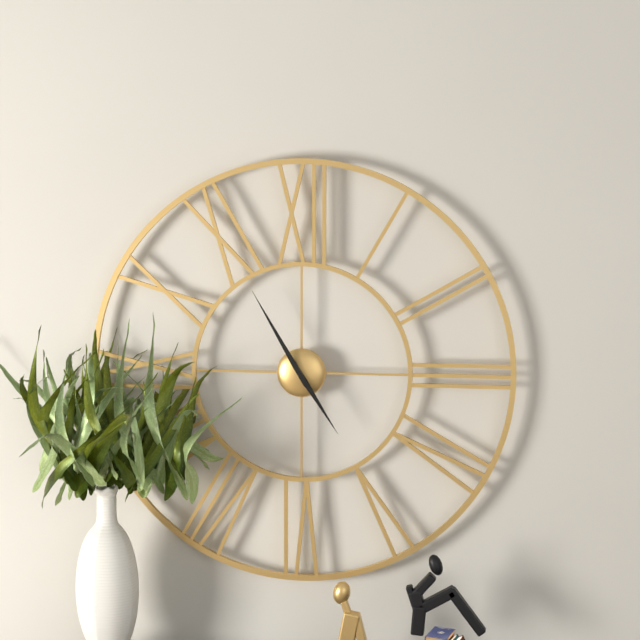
4:55
